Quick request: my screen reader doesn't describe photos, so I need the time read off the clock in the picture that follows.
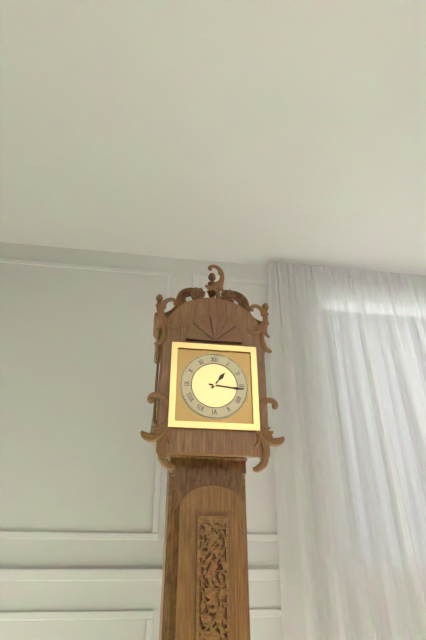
1:16
